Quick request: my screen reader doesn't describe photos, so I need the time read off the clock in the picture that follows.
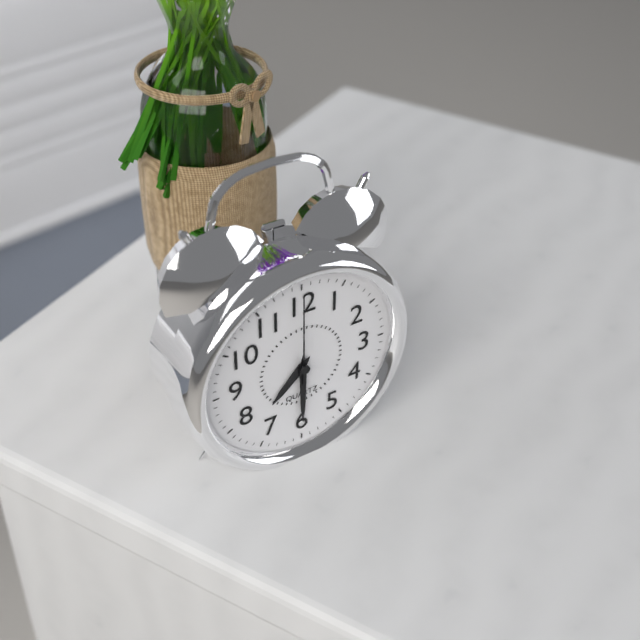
7:30:00
